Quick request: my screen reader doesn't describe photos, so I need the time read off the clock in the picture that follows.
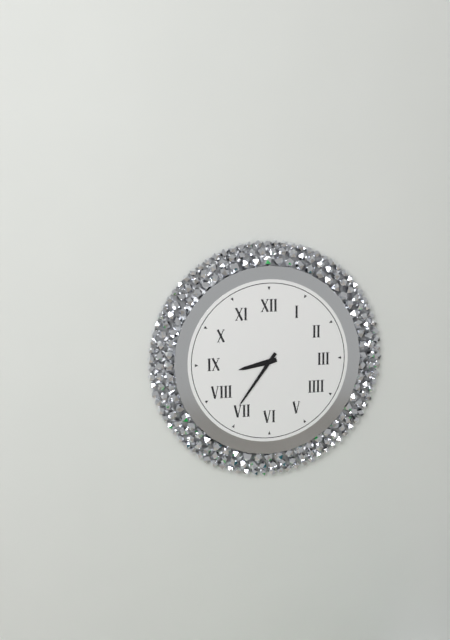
8:36
